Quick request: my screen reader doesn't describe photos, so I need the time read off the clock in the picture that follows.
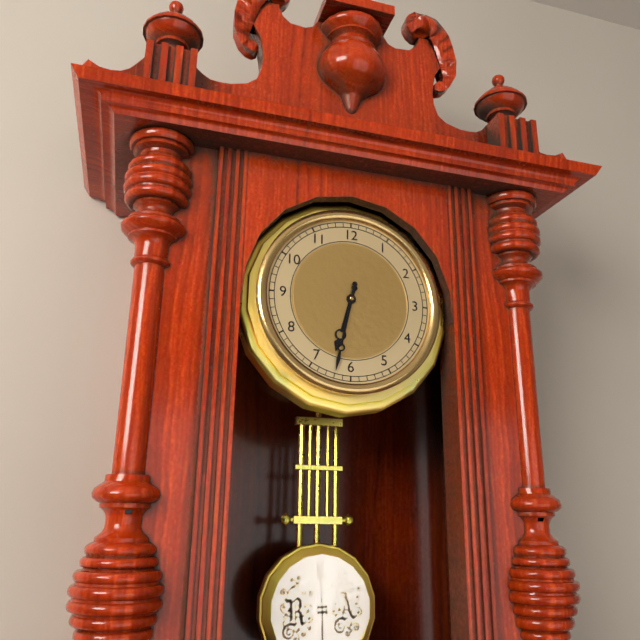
6:32
